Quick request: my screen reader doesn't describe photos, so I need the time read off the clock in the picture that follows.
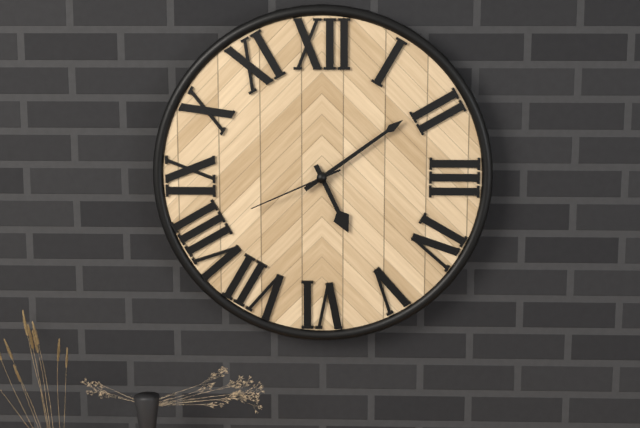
5:09:41
